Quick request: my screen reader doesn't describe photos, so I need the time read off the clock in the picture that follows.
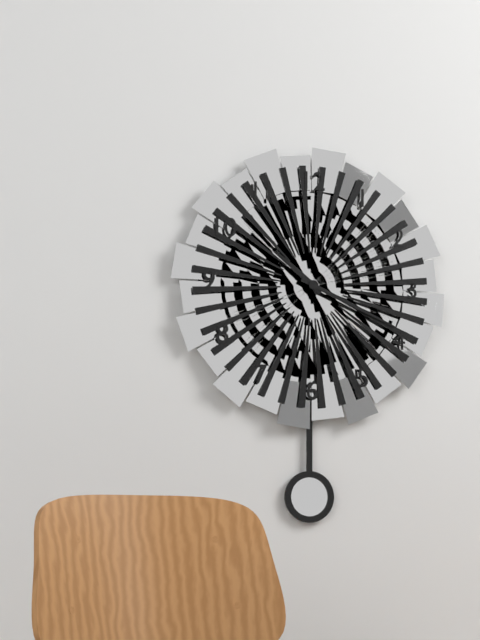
10:19
